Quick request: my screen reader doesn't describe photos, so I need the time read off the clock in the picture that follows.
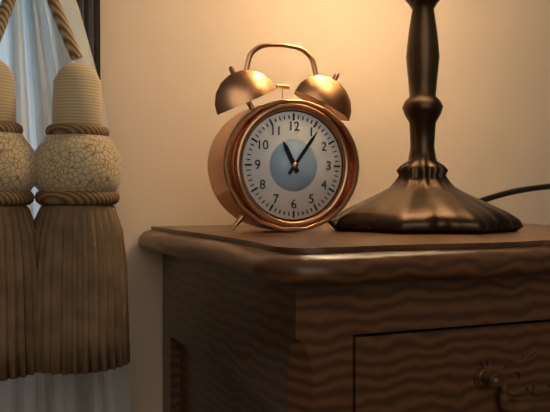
11:06
